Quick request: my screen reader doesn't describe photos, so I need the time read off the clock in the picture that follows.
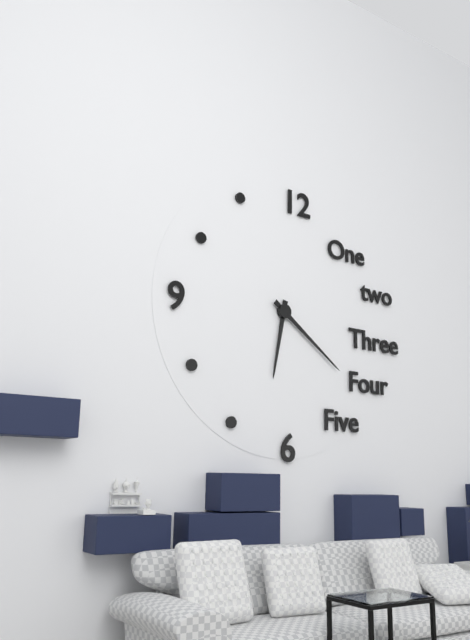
6:21
